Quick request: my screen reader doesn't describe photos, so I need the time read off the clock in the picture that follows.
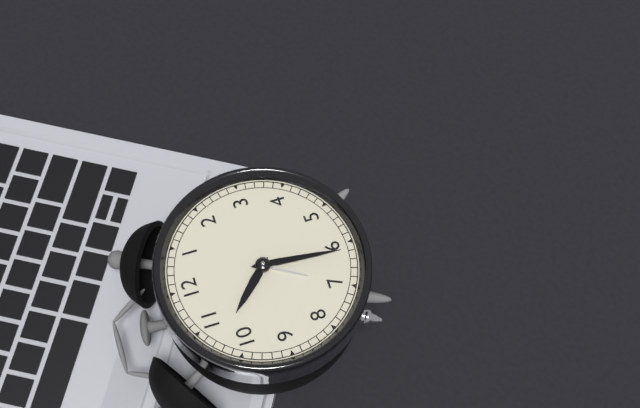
10:31
